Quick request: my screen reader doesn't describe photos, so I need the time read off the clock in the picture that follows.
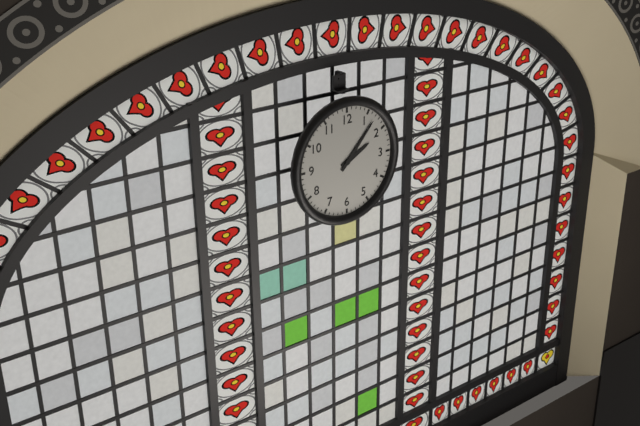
2:07
